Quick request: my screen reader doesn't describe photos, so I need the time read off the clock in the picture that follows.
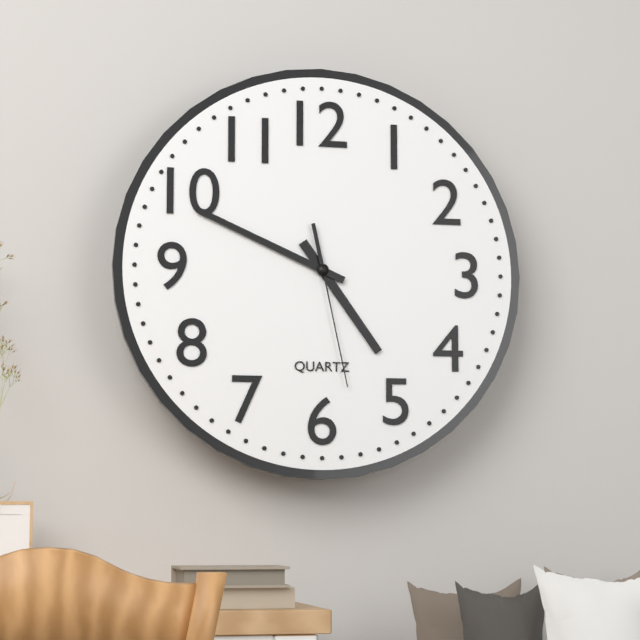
4:49:28
